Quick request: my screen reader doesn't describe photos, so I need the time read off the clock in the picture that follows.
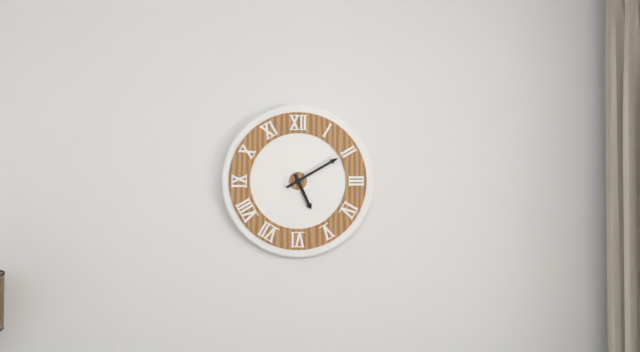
5:10
